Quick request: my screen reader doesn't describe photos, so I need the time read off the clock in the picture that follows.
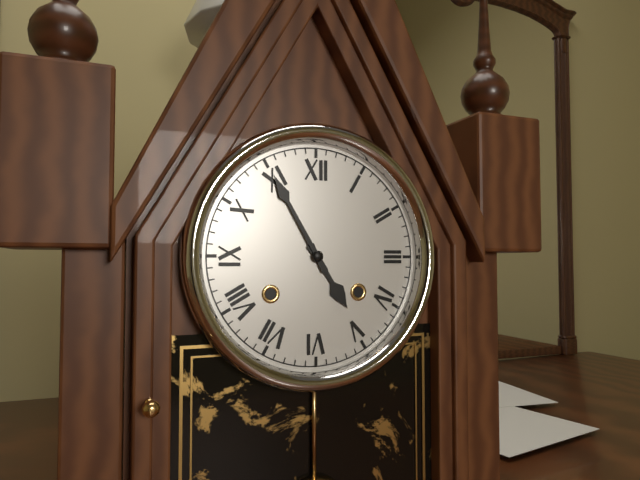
4:55
